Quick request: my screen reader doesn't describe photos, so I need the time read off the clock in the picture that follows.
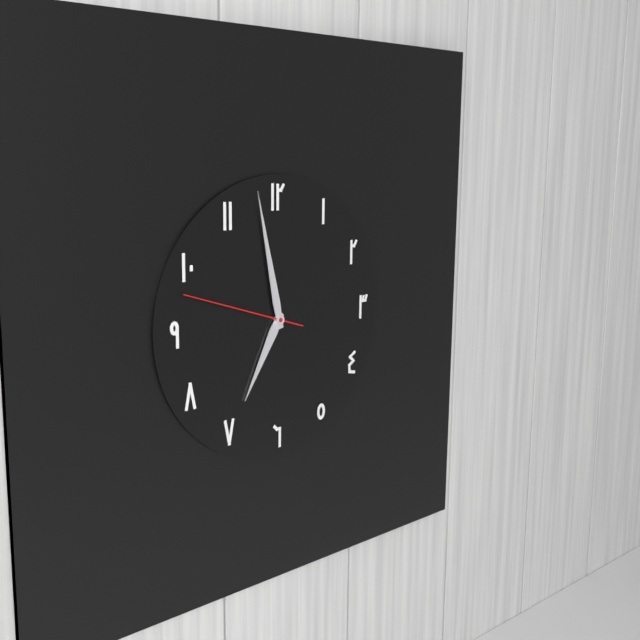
6:58:48
